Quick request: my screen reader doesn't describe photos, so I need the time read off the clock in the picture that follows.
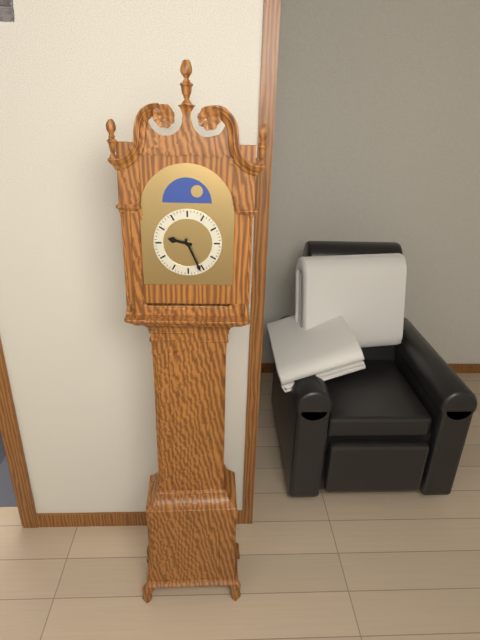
9:26
